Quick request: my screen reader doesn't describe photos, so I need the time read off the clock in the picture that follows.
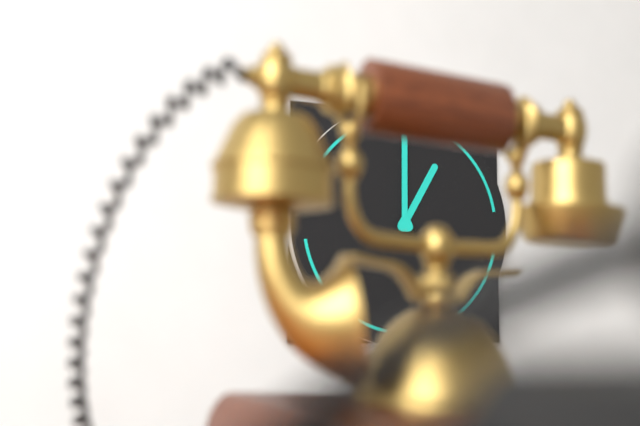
1:00
